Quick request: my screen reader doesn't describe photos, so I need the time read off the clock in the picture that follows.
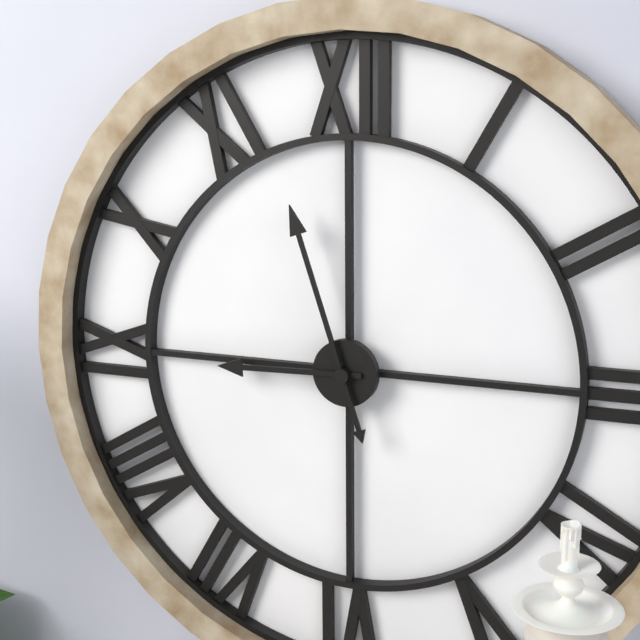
8:57
